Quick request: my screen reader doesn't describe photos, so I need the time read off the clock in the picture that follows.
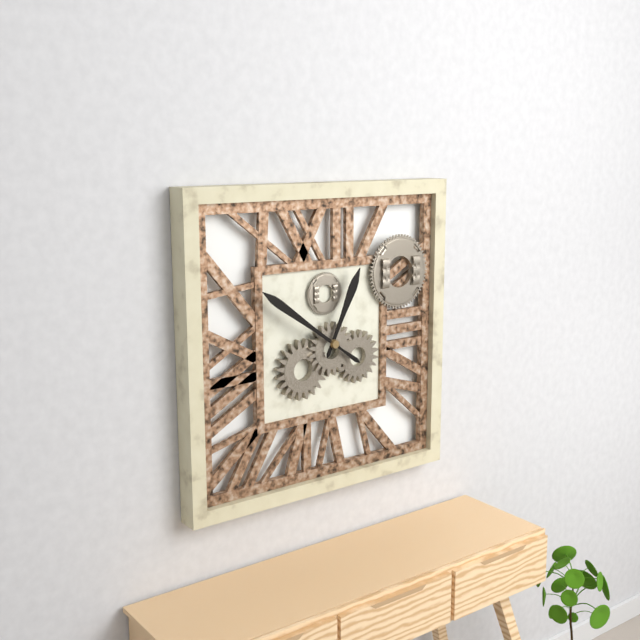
12:51
